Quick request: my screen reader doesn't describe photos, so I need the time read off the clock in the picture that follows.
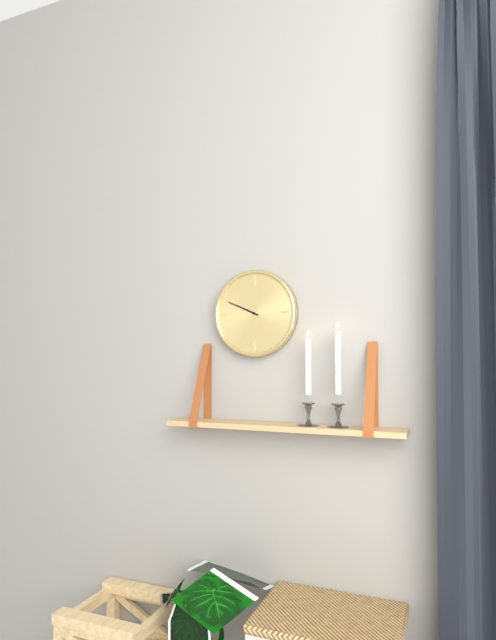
9:49
